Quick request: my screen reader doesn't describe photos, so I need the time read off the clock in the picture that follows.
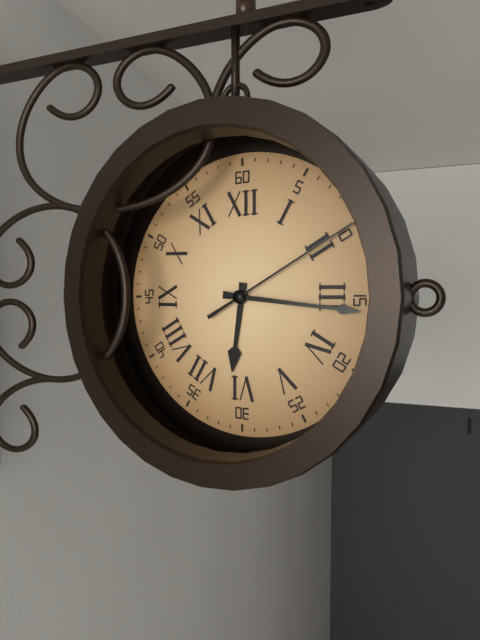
6:16:10
